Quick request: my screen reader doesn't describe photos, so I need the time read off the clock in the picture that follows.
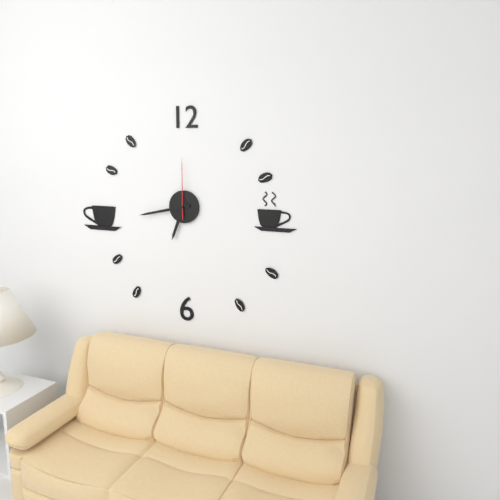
6:43:00
